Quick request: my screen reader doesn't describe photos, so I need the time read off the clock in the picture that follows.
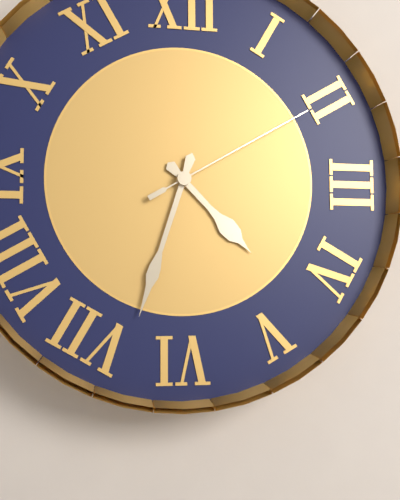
4:33:10
